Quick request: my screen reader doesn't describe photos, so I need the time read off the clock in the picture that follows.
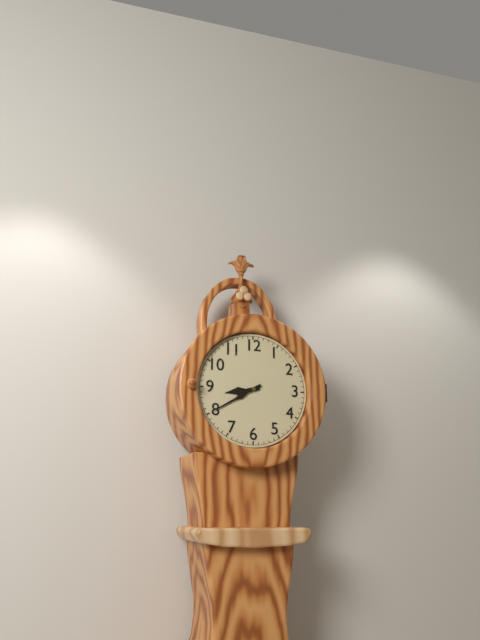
8:40
